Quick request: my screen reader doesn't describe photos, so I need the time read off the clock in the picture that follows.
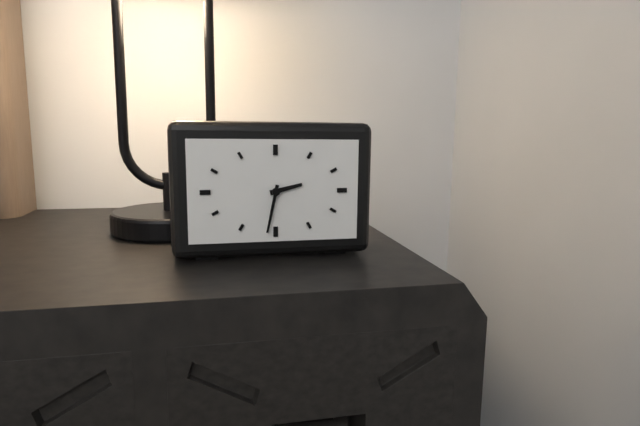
2:32
